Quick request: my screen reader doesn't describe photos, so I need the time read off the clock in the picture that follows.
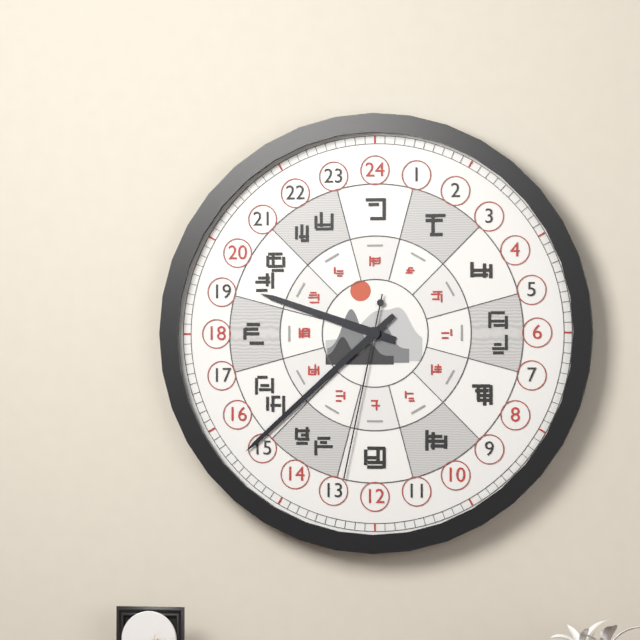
9:38:32
